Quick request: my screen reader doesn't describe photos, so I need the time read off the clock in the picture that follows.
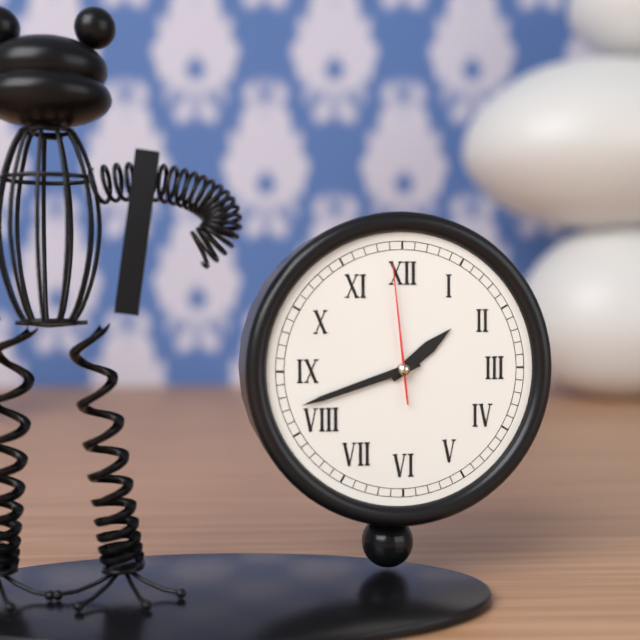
1:42:59
